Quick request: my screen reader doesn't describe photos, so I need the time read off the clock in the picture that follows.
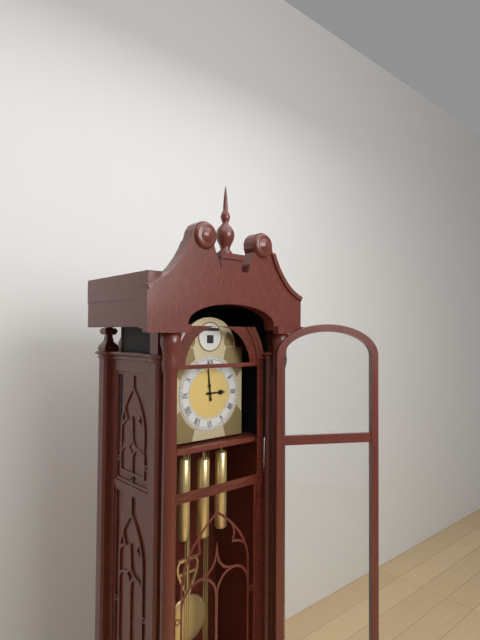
2:59
